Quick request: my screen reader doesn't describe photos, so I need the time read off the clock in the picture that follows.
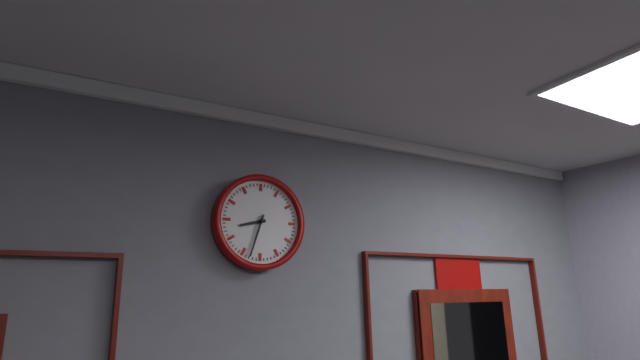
8:33
